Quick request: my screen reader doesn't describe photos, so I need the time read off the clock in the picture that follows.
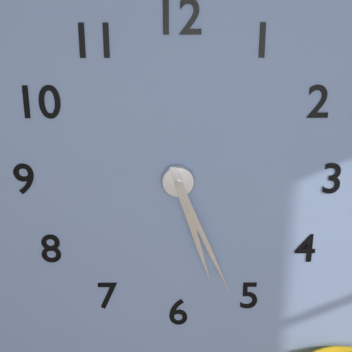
5:26
